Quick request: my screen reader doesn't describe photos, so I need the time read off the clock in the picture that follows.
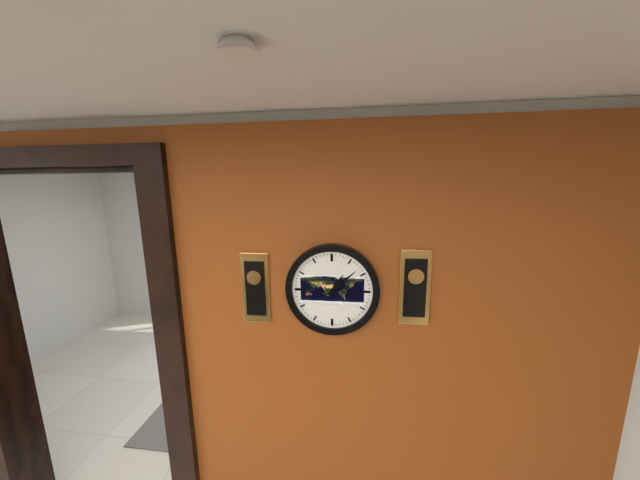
1:08
